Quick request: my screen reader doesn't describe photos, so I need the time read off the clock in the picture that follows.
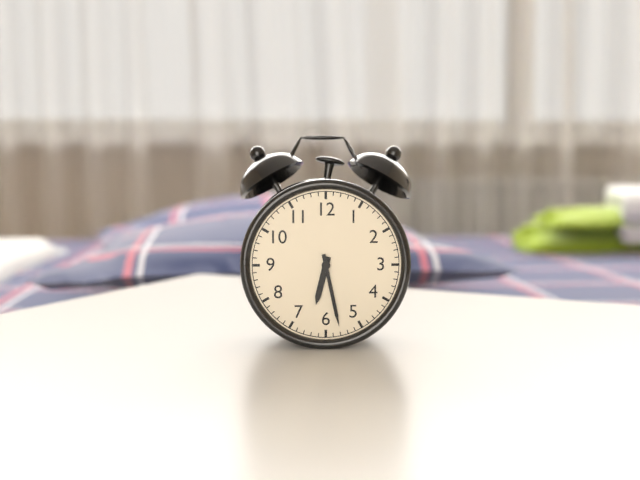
6:28
